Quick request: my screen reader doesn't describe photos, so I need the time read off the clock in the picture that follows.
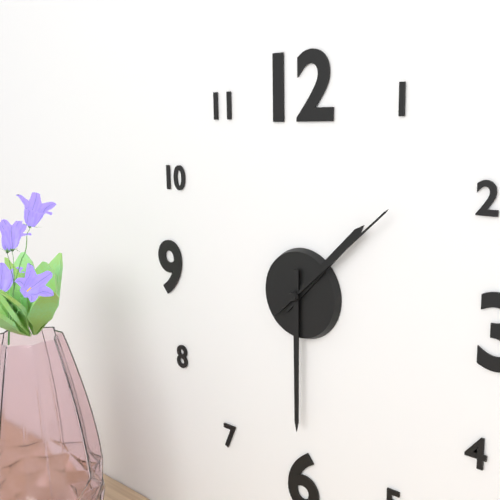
1:30:08
